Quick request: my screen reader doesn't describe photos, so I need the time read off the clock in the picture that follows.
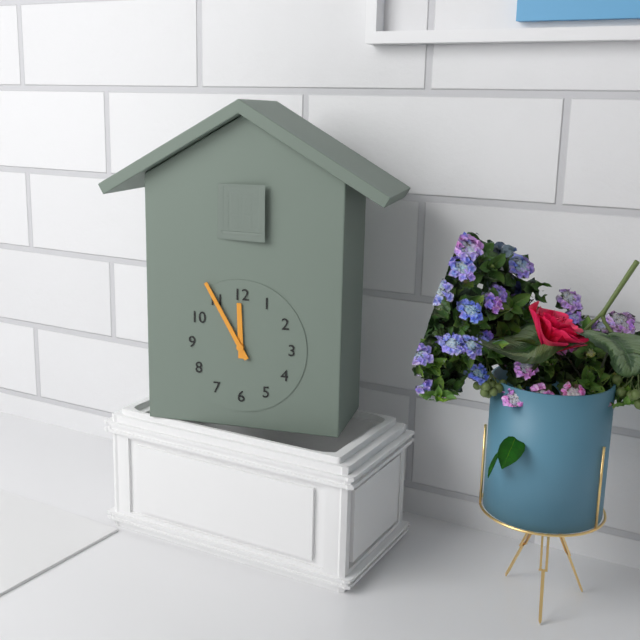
11:55
